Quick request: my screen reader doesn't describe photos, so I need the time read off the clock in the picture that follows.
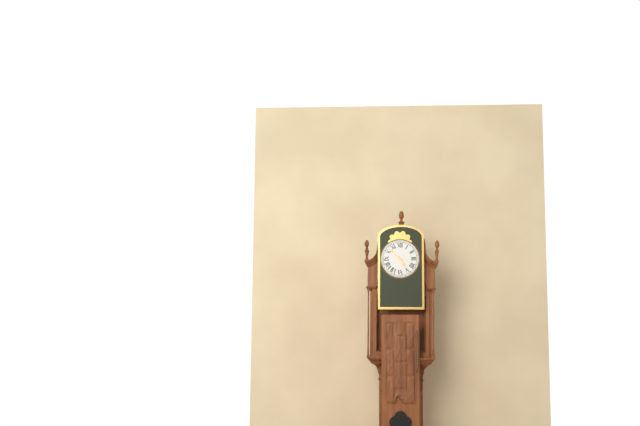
4:52
